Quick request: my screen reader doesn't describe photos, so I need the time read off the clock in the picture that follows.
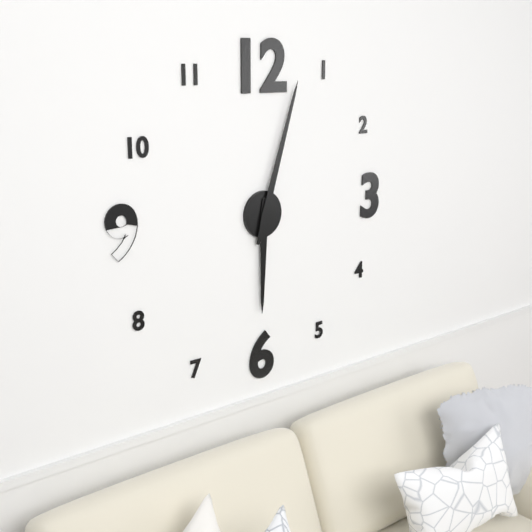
6:03
